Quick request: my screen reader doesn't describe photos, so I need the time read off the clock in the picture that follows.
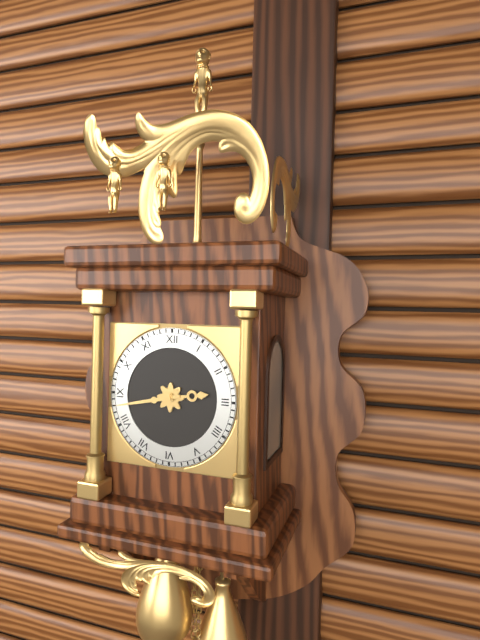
2:43
